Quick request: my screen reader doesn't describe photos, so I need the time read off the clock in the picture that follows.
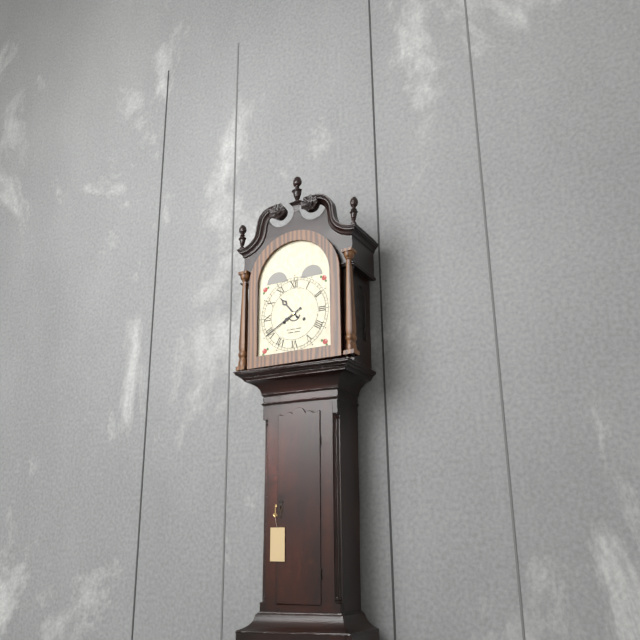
10:40
